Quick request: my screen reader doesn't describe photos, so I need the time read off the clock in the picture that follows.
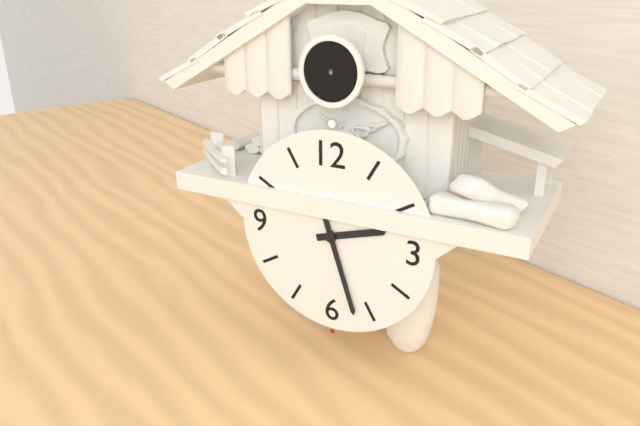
2:27
